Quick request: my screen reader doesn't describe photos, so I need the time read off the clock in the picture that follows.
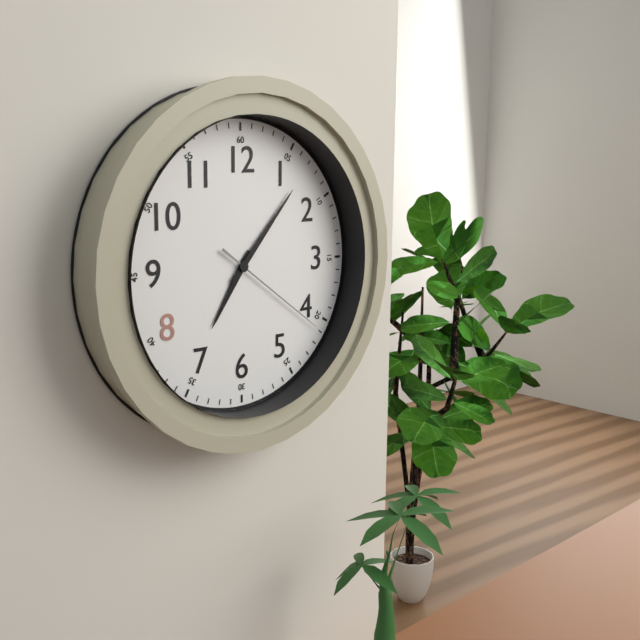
7:07:21
